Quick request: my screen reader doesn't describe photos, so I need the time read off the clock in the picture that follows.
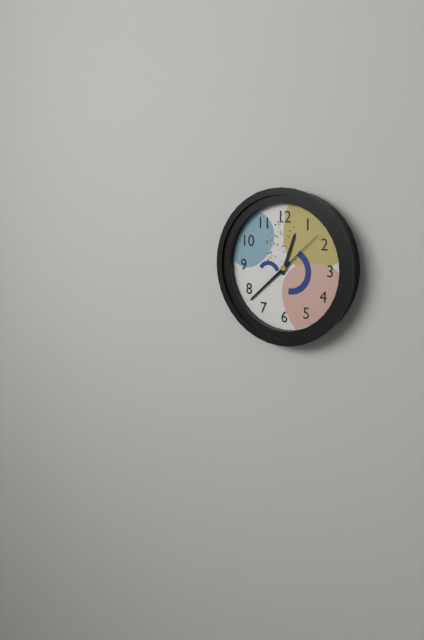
12:38:08
